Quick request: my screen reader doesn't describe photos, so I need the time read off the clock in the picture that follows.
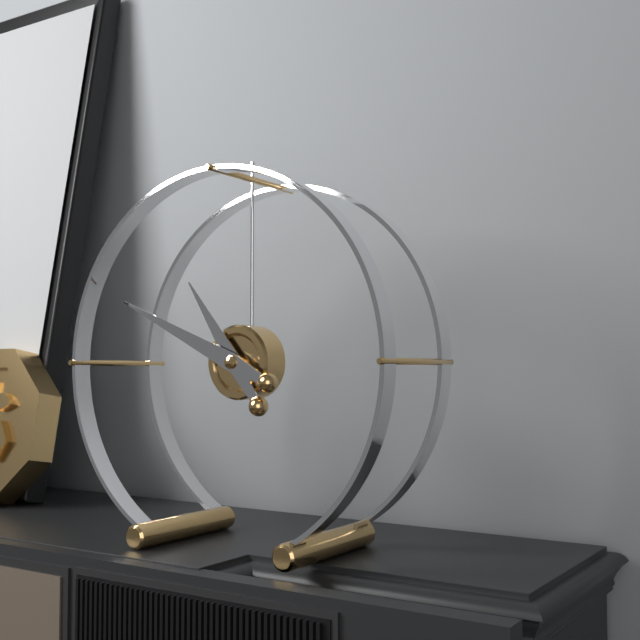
10:49
